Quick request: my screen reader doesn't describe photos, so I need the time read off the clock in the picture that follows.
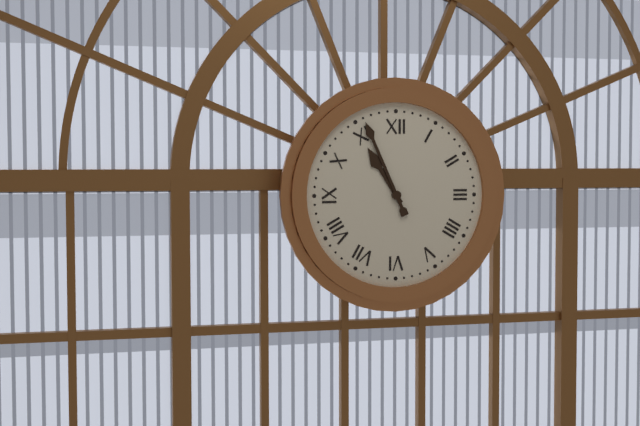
10:56
